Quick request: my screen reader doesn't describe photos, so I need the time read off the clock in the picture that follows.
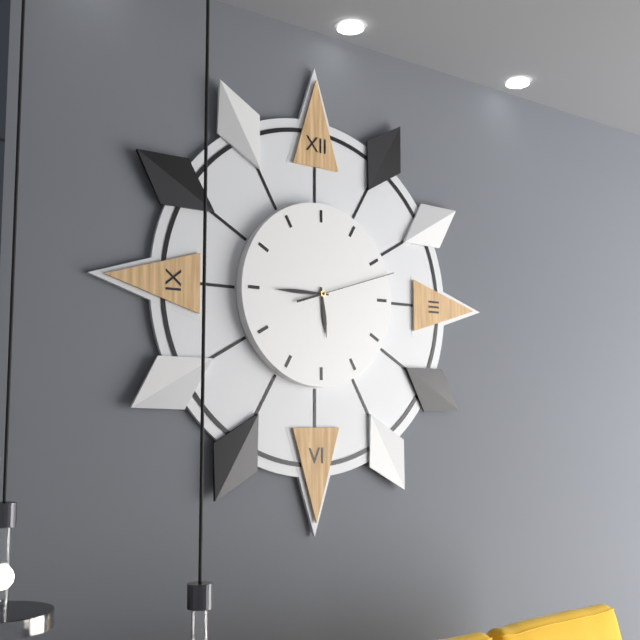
5:45:12
